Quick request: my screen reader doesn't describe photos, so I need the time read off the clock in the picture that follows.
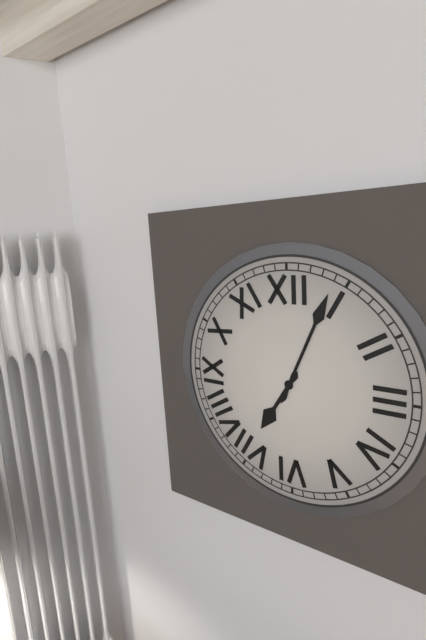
7:04
